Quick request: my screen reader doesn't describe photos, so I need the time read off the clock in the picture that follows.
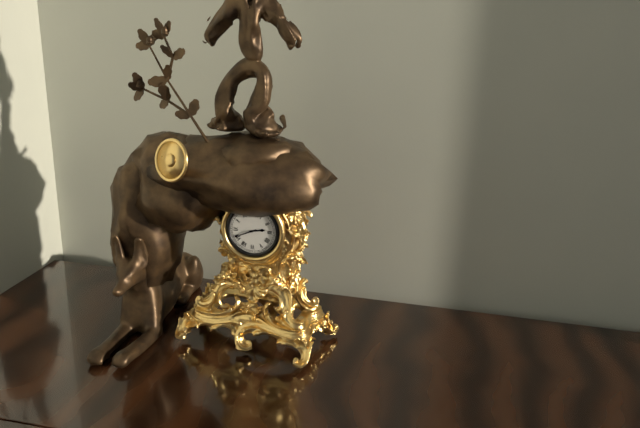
2:41
